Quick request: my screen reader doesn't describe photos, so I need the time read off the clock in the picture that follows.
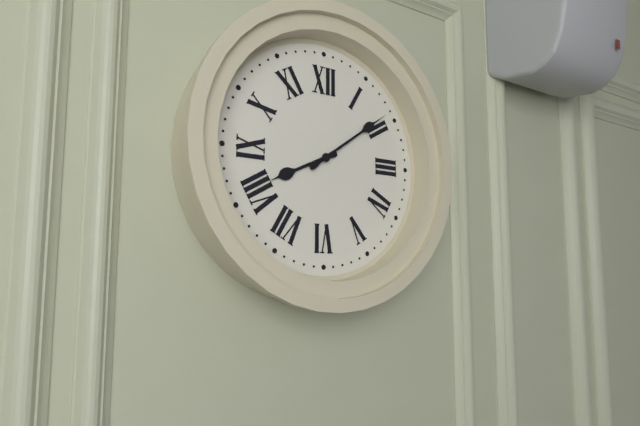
8:09
